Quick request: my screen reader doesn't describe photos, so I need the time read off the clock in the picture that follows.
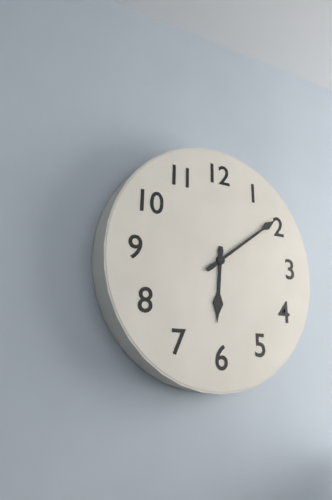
6:09
